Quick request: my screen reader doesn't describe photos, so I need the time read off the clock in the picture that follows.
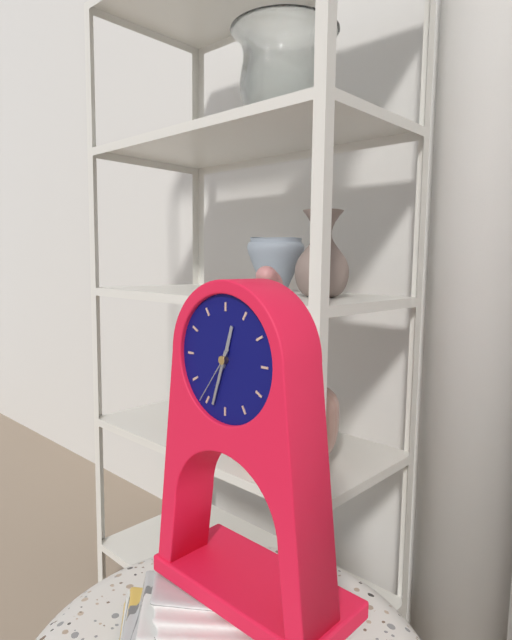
12:33:36
